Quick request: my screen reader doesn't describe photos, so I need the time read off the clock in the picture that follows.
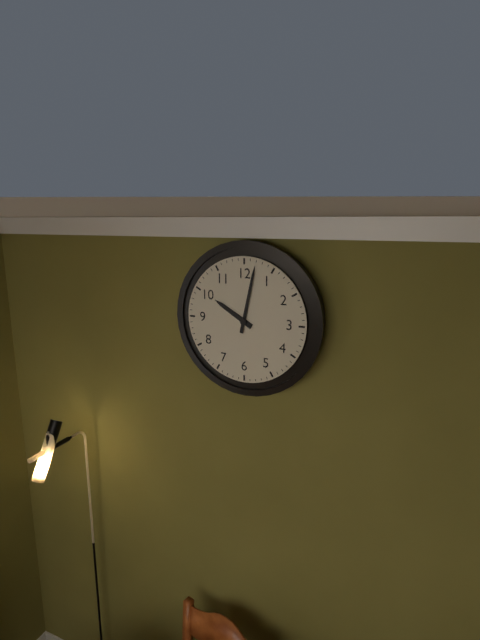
10:02
